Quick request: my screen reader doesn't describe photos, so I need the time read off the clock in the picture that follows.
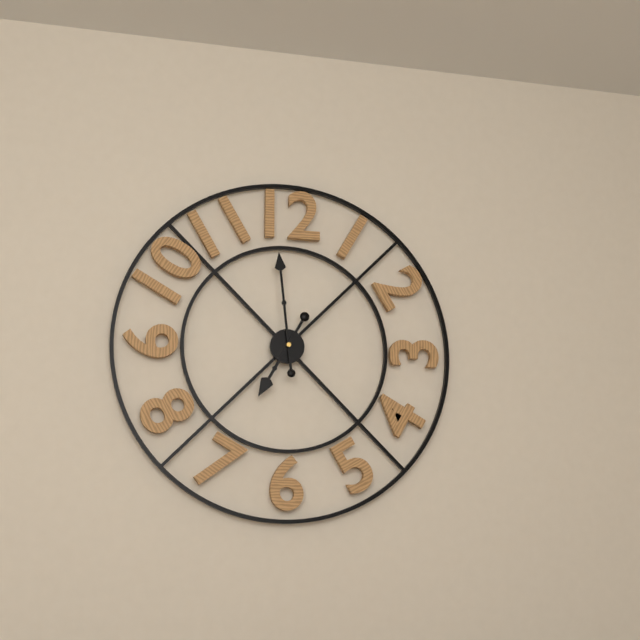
6:59
